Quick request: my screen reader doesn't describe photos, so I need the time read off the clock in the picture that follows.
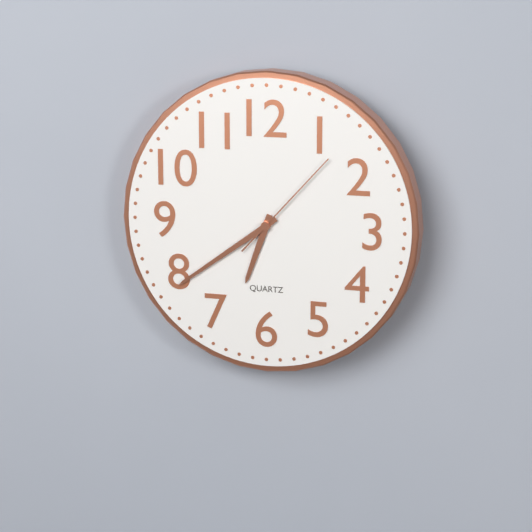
6:39:07
